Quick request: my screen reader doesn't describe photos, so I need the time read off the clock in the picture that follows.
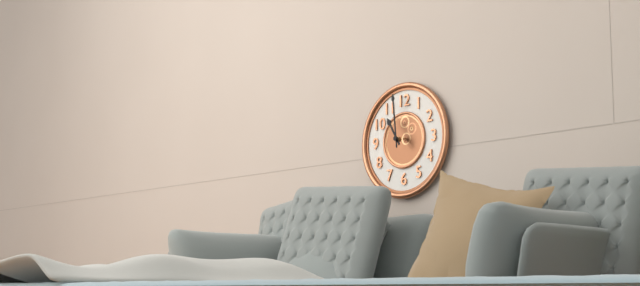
10:59
